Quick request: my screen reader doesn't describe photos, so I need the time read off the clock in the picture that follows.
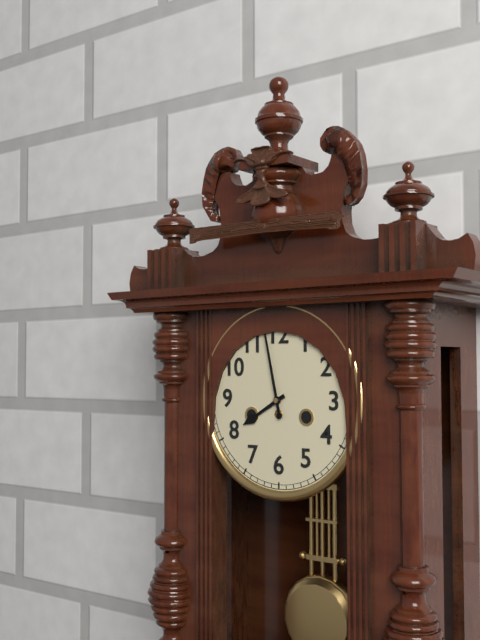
7:58
